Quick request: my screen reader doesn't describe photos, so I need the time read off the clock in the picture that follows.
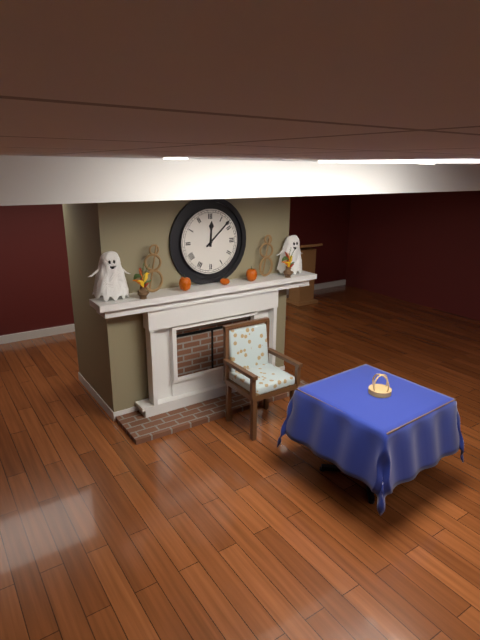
12:08
